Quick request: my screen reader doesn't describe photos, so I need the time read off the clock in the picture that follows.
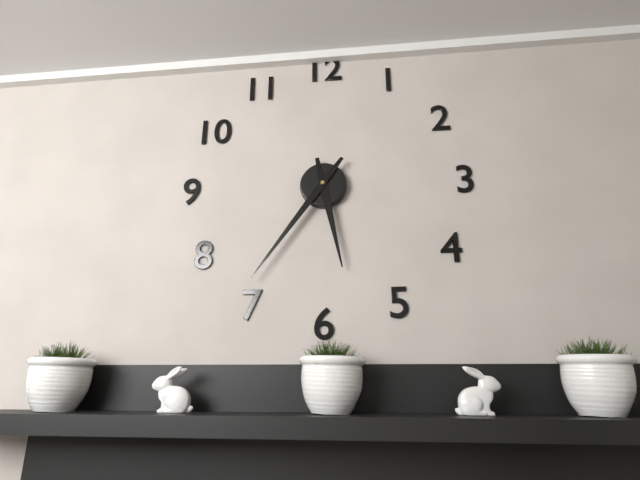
5:36
